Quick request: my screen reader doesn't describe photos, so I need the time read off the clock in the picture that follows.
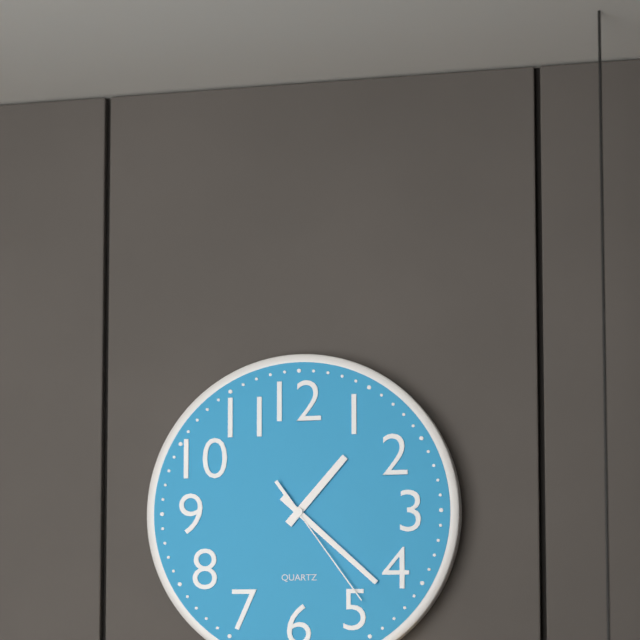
1:22:24
